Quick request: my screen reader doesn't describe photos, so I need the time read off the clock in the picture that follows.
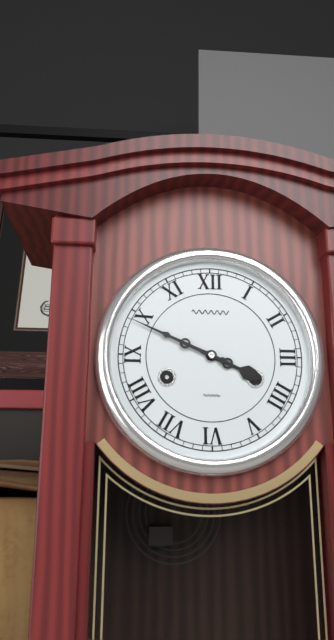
3:49
